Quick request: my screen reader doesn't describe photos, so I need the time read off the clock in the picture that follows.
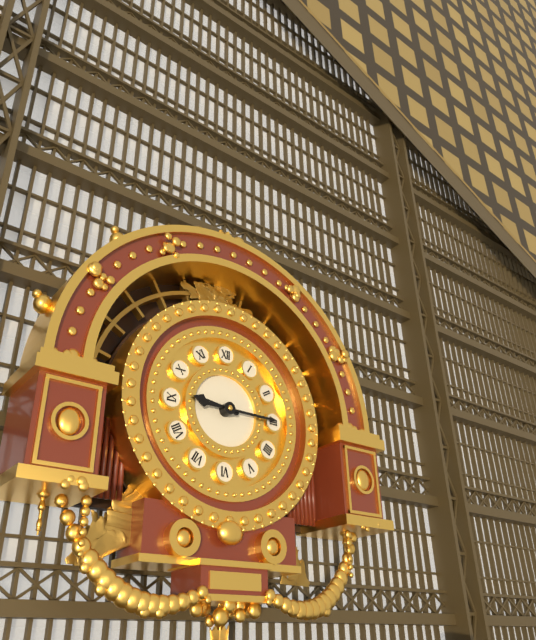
9:15
